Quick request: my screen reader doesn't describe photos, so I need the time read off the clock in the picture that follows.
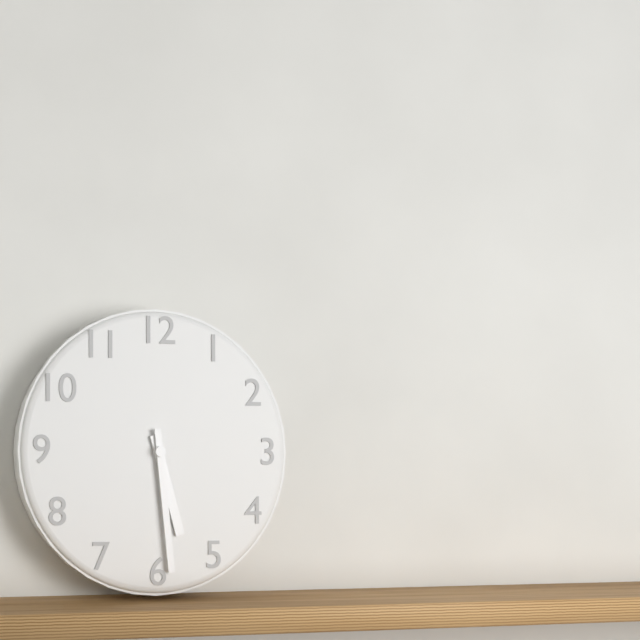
5:29
